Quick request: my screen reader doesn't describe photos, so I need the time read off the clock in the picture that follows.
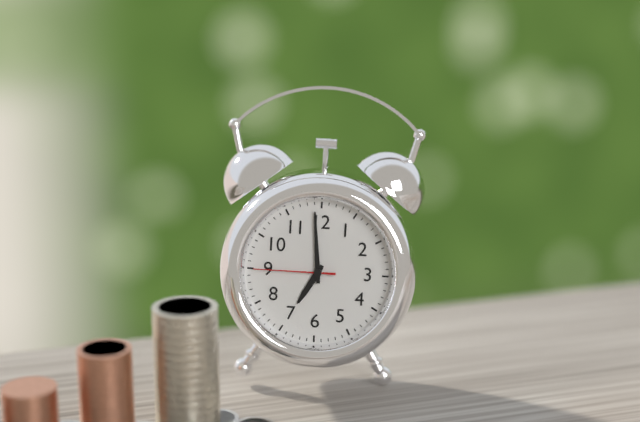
6:59:45
